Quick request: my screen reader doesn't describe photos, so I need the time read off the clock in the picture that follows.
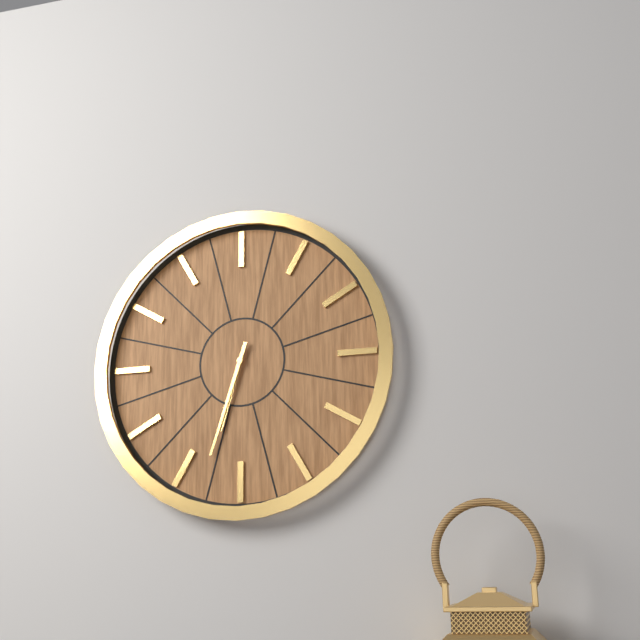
6:33
